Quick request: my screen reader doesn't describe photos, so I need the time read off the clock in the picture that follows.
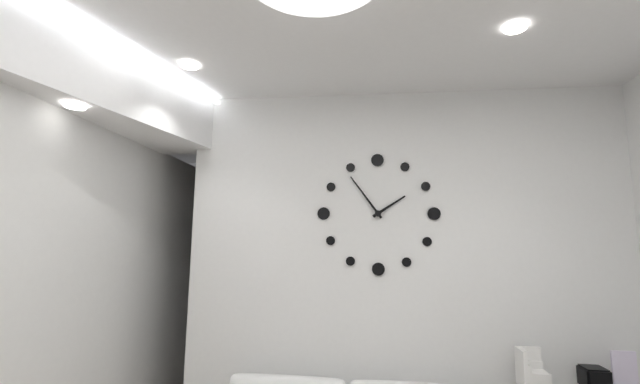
1:54
